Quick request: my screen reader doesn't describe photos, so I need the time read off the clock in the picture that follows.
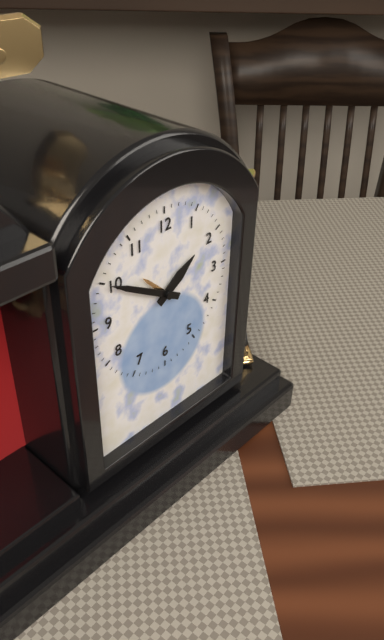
1:50
